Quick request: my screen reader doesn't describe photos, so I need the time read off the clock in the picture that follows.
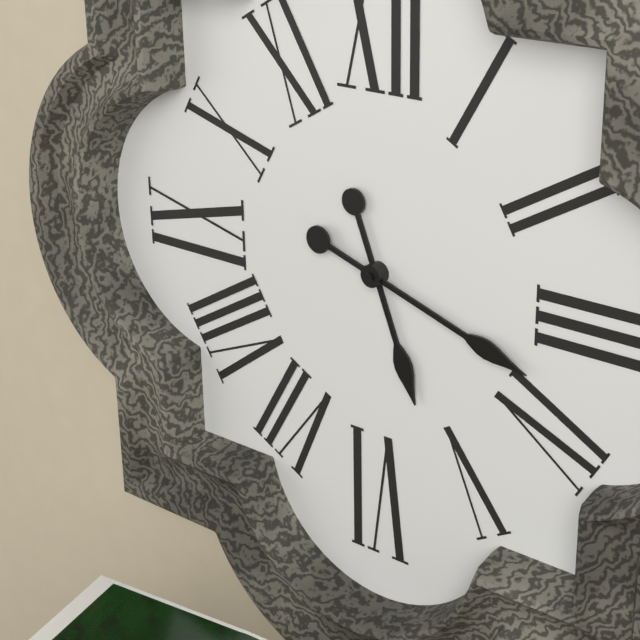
5:18
